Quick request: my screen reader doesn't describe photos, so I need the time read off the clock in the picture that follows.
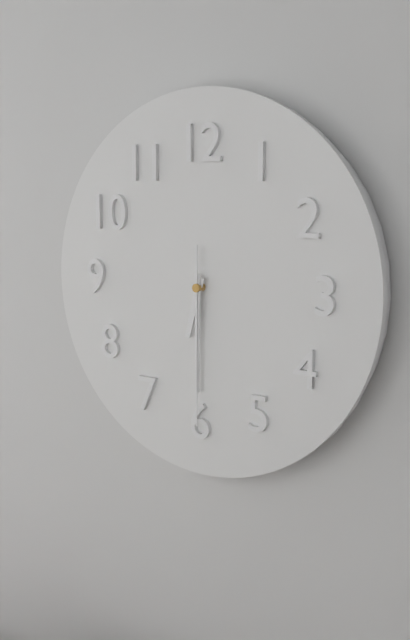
6:30:30
